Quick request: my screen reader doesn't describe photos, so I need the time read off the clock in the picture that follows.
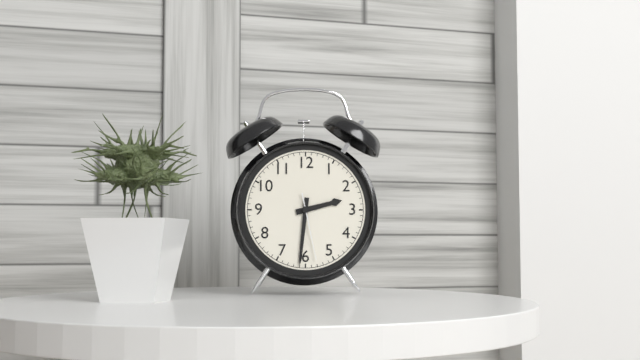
2:31:28
